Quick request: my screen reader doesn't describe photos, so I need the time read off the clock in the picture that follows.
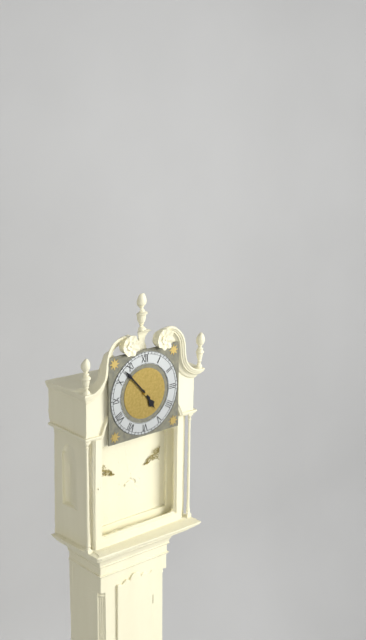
4:53
